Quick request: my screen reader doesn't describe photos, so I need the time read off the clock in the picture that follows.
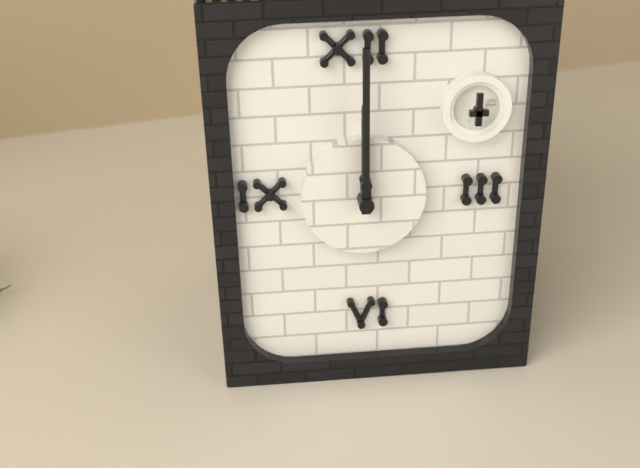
12:00
